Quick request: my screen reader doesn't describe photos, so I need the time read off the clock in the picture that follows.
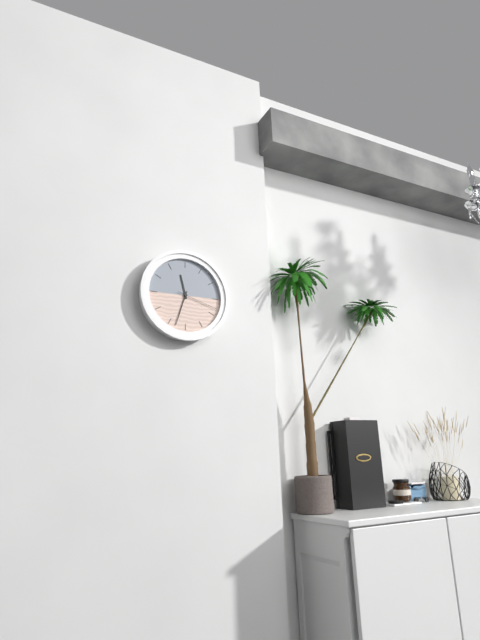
11:33
